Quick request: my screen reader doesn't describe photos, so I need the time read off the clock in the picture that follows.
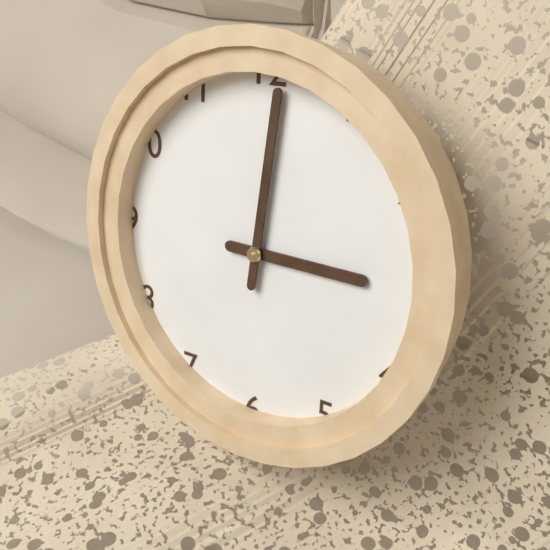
3:01
